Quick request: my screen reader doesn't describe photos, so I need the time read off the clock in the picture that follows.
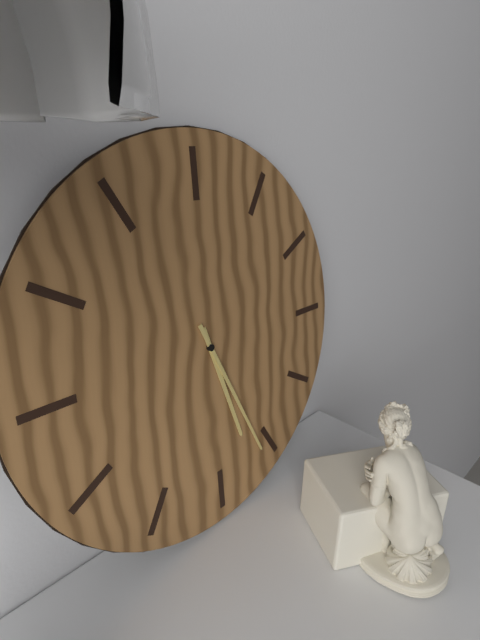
5:26
